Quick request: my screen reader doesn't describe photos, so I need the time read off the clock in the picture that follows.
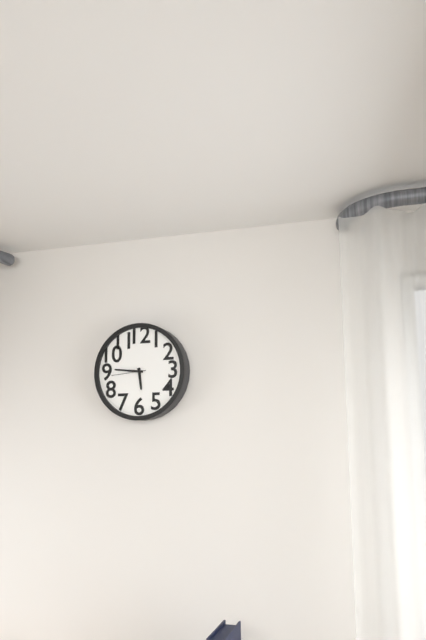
5:46
